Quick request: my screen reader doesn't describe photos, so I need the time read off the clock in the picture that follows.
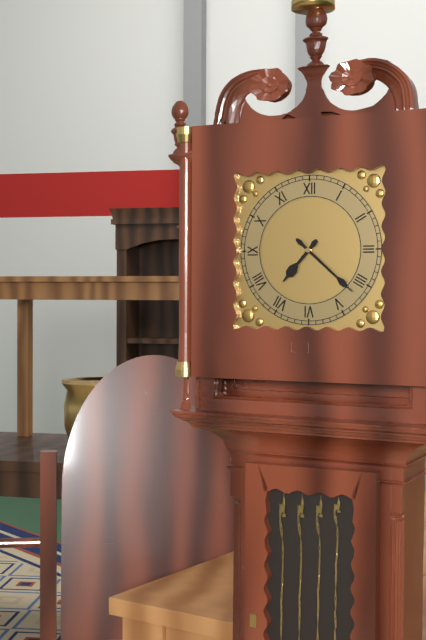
7:22
